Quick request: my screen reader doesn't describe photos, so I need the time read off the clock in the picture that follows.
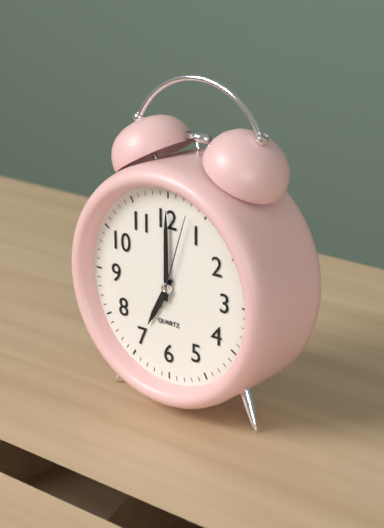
7:00:03
